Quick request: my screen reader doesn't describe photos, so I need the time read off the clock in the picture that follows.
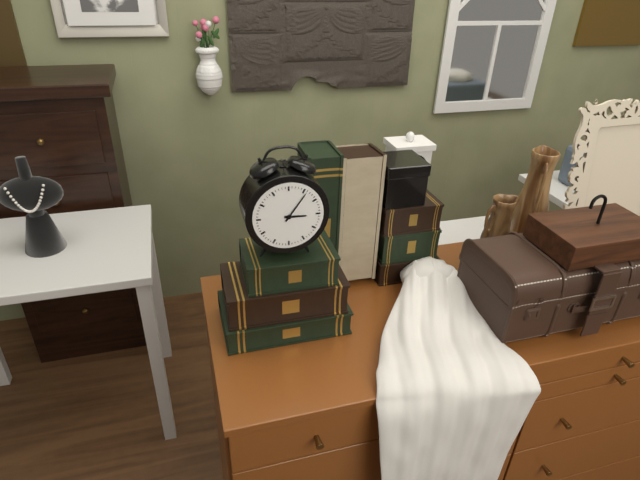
3:06
